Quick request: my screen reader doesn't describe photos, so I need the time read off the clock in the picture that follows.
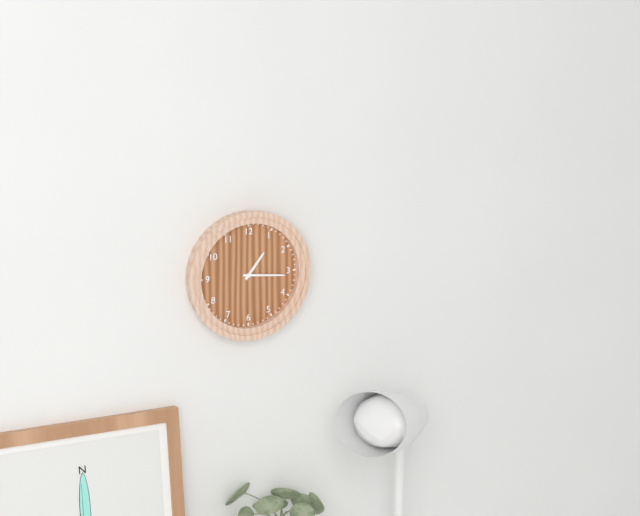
1:16
